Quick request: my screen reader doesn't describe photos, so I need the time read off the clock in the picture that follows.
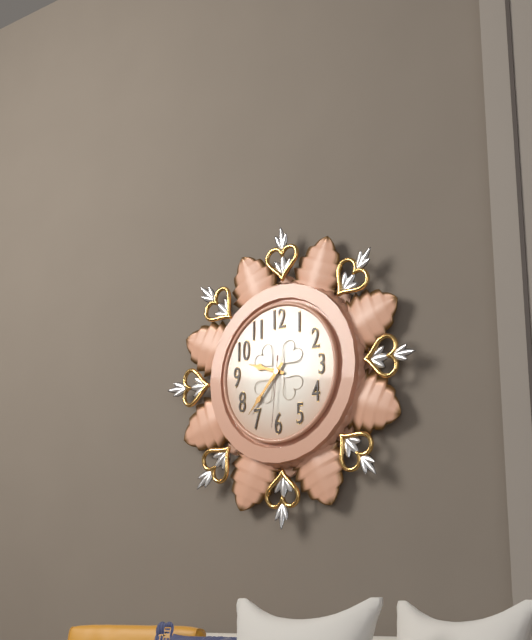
9:37:31
